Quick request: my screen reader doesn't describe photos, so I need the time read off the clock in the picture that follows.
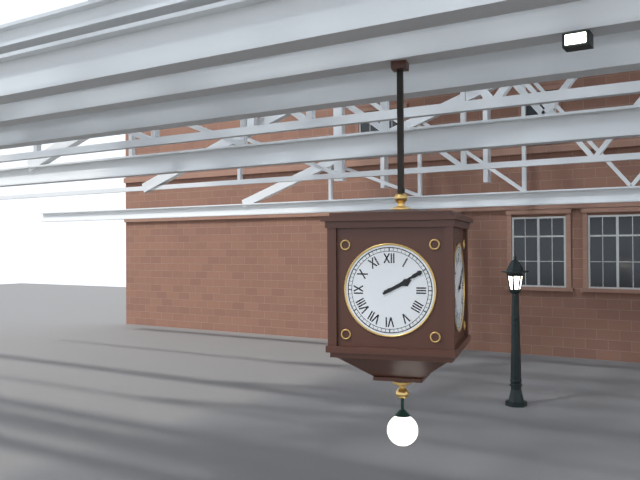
2:10
